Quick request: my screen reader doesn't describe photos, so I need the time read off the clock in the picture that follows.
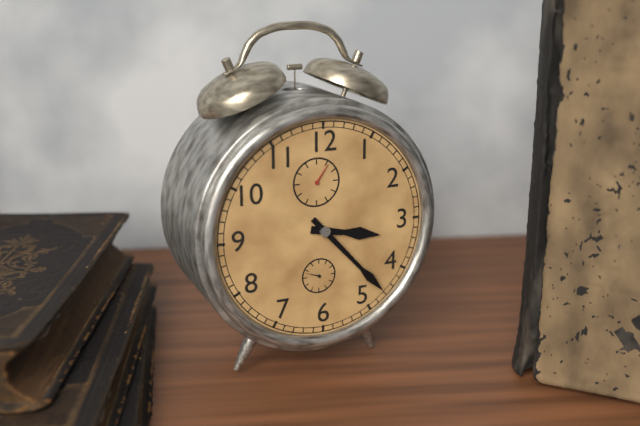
3:23
